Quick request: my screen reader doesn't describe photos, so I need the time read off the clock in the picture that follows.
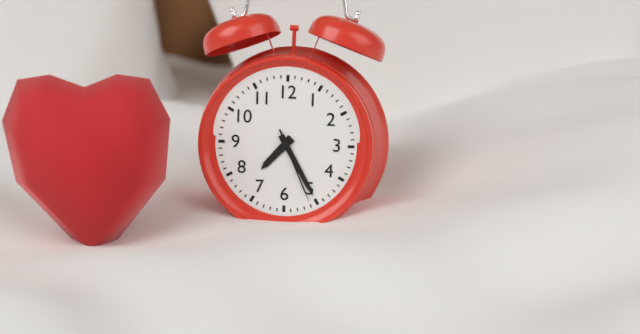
7:25:26
